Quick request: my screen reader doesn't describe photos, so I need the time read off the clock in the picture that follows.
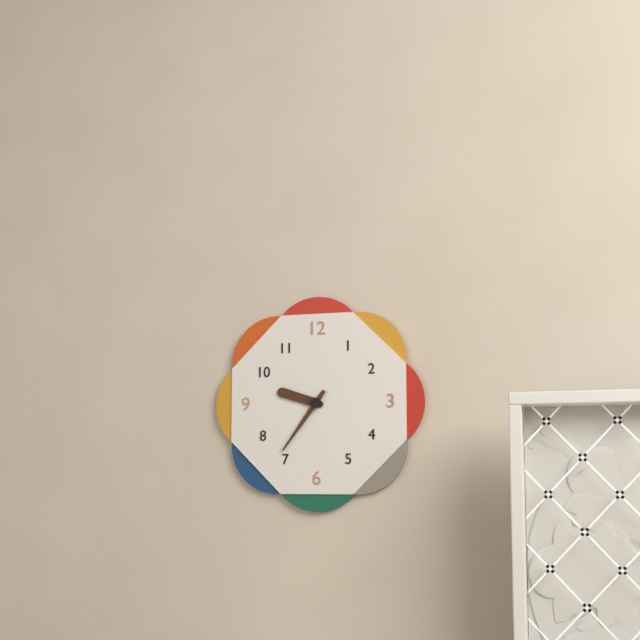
9:36
